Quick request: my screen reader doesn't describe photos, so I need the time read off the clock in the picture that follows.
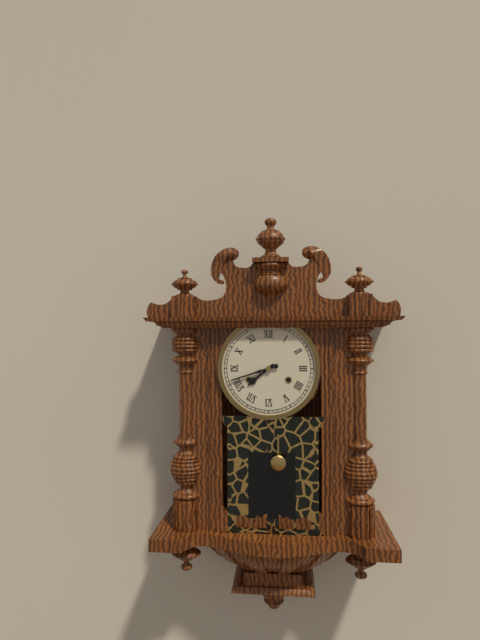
7:42
